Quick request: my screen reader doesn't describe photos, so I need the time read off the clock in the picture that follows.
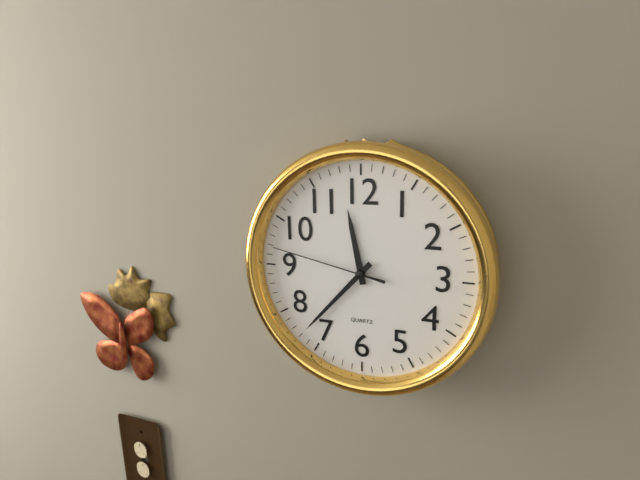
11:37:47
